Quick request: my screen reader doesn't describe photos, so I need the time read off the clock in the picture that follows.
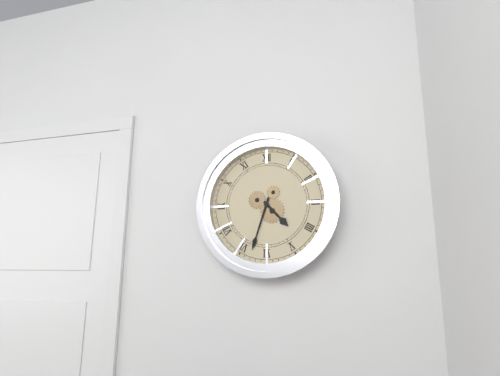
4:33
